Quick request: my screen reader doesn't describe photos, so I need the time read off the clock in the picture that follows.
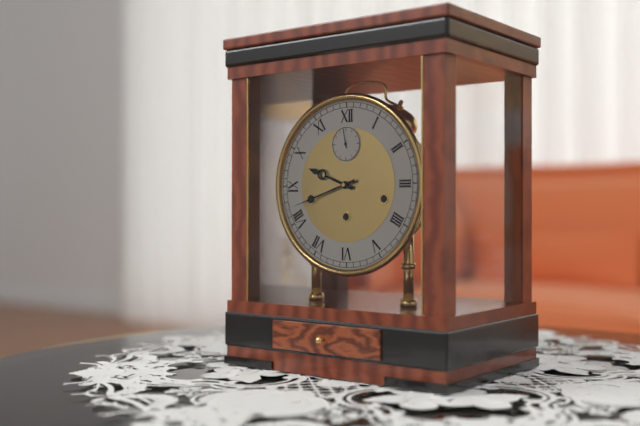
9:42
